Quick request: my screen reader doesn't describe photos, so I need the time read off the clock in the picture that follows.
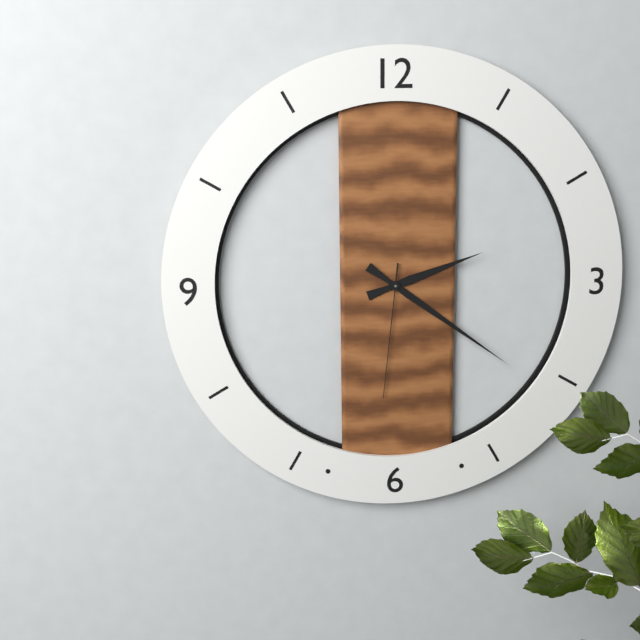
2:21:31
